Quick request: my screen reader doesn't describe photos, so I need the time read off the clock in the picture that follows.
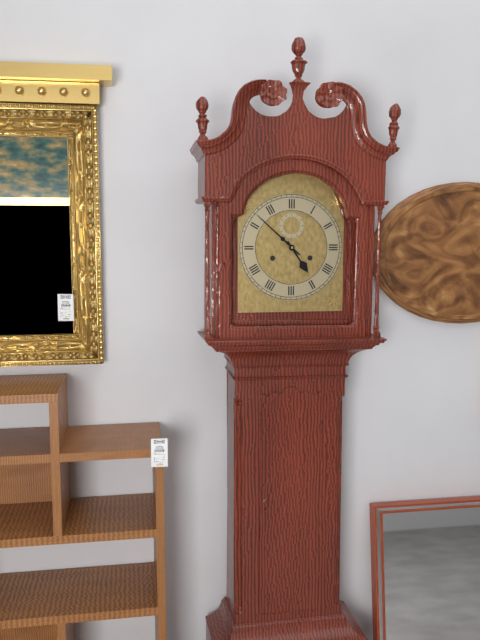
4:52
